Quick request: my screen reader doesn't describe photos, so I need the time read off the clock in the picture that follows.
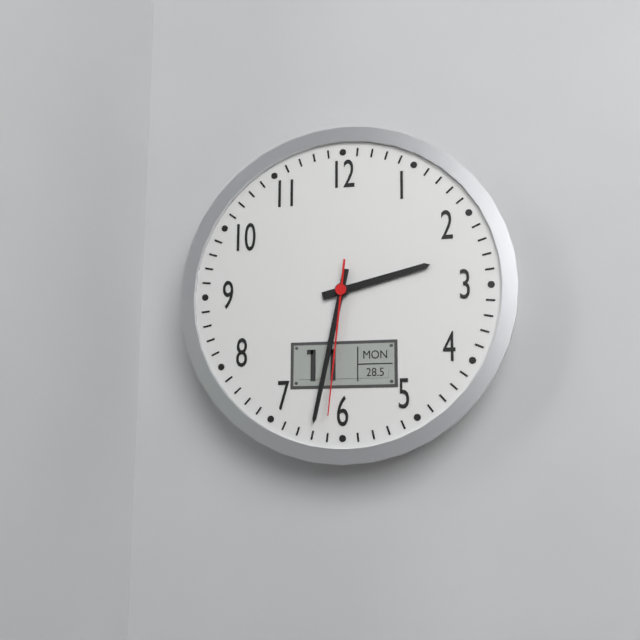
2:32:31
